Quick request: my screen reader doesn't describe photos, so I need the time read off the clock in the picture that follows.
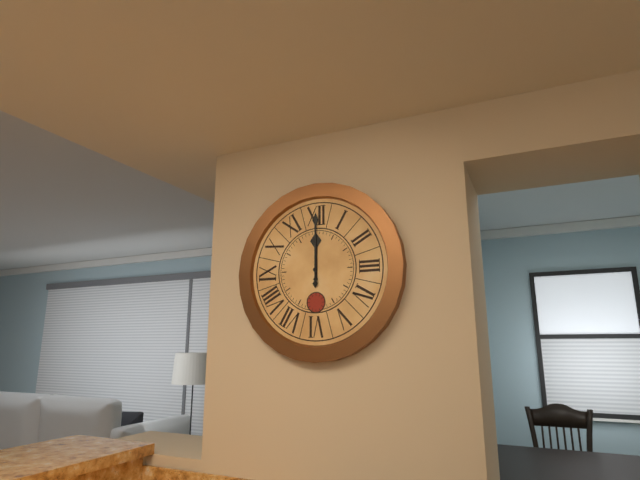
12:00
